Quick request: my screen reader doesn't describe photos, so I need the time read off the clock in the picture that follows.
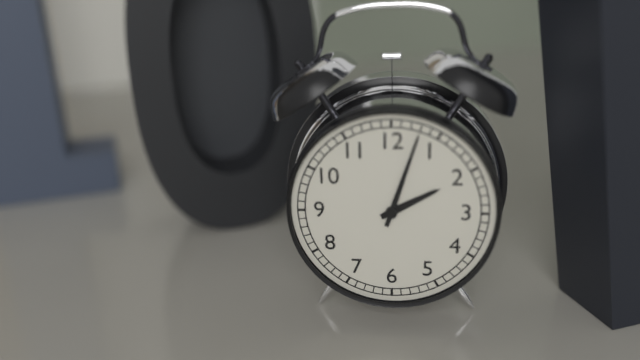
2:03
